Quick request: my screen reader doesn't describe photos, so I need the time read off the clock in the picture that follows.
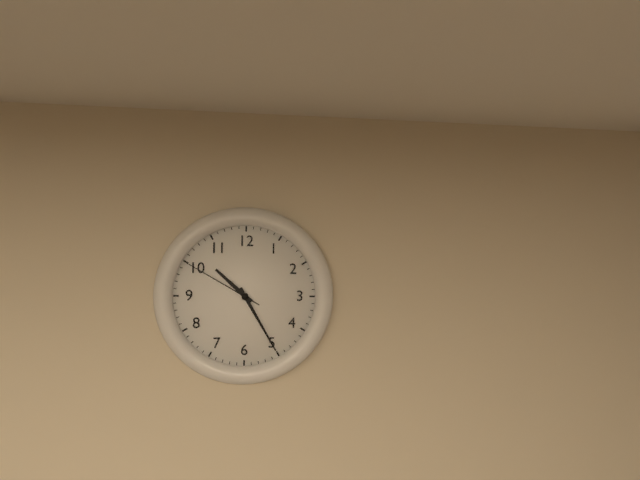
10:25:50
